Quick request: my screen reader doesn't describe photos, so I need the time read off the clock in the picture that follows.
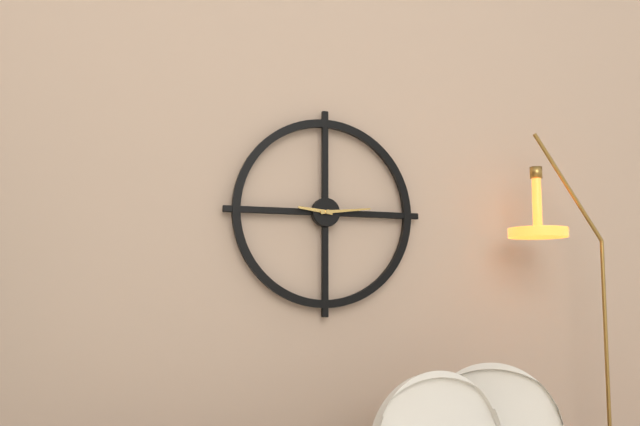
9:14
